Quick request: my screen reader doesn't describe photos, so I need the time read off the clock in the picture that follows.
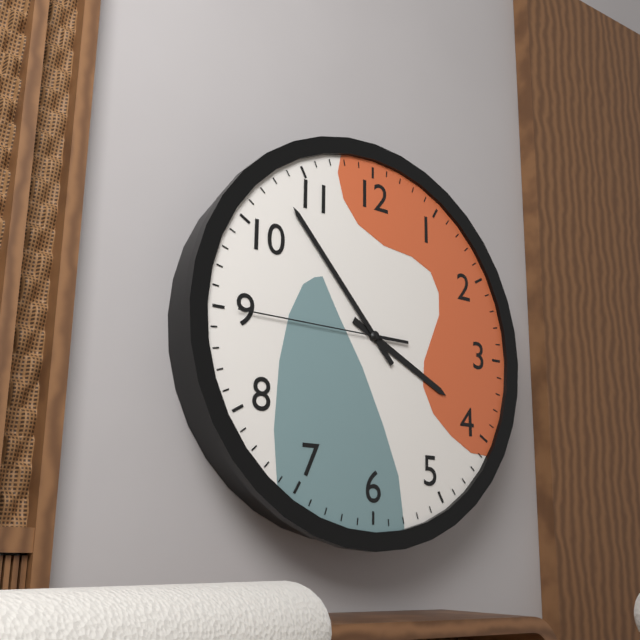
3:53:45
